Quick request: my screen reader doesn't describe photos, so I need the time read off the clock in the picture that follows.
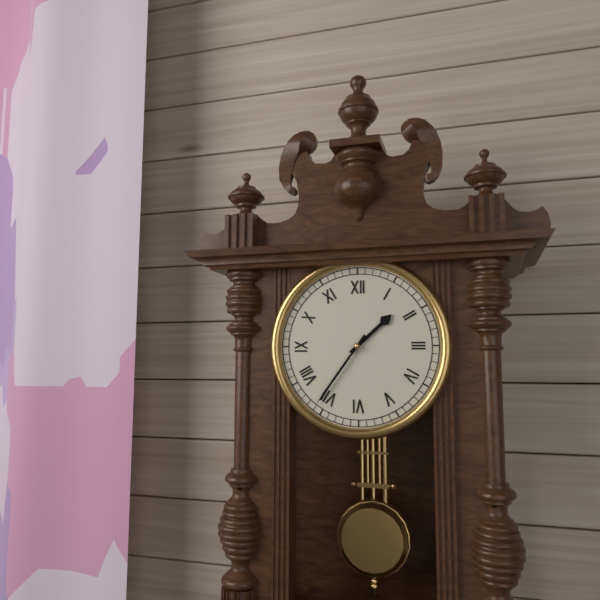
1:36
